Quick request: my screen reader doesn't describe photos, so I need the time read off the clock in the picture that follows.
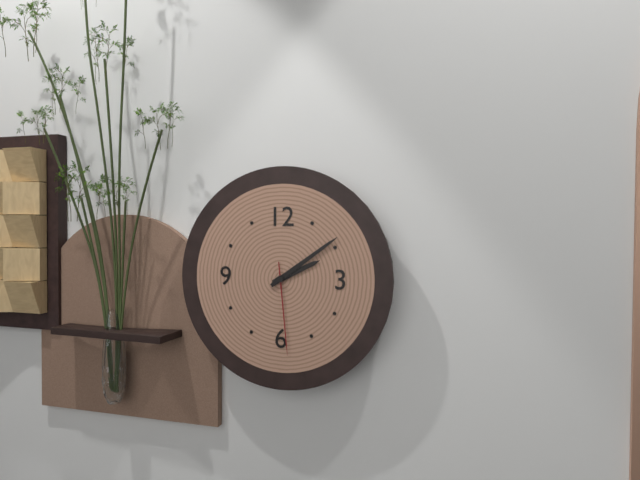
2:09:29
